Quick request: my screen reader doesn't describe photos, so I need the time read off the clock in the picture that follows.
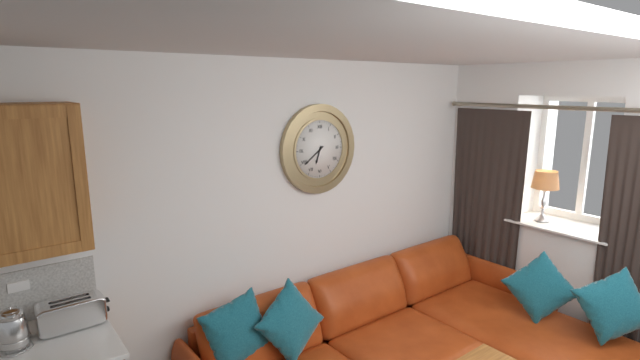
6:39
